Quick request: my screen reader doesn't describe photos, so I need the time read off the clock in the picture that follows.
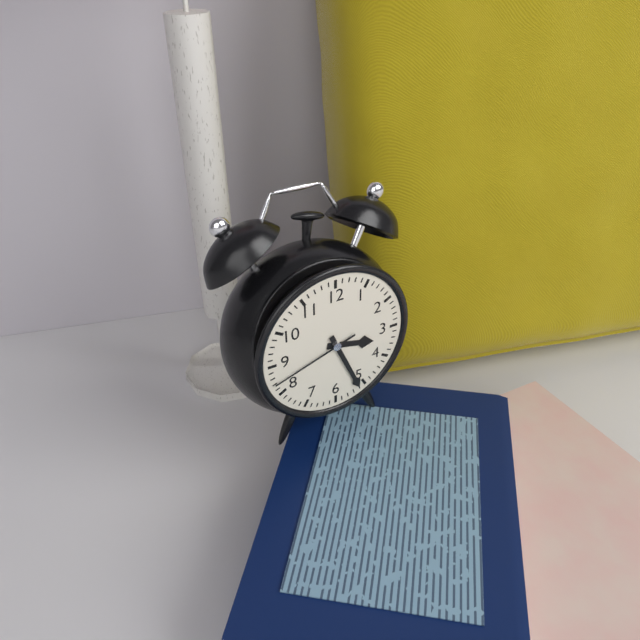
3:26:42
